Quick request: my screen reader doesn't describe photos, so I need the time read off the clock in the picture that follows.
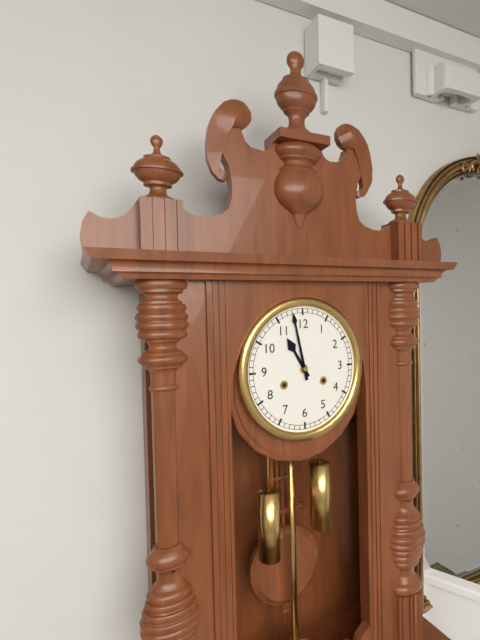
10:58
